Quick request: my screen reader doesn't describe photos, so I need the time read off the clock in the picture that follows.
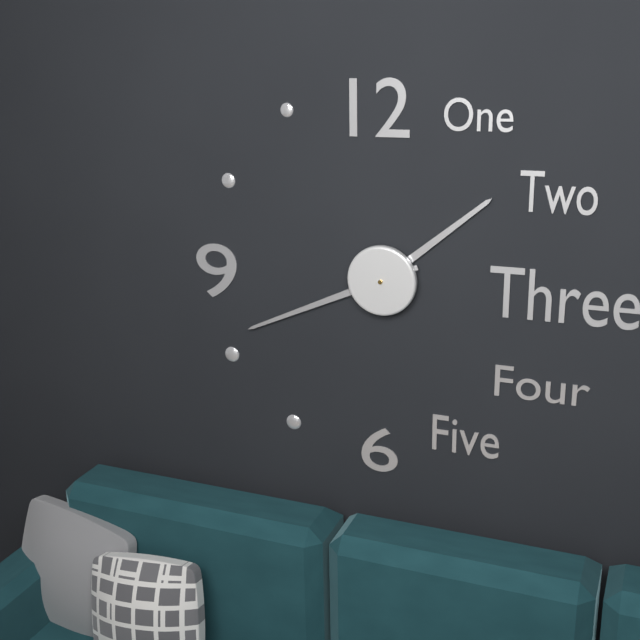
1:41
